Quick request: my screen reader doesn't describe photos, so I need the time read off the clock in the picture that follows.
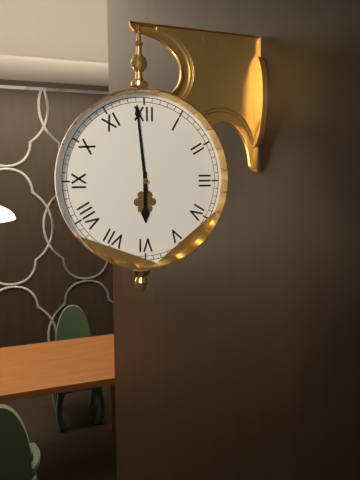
5:59
